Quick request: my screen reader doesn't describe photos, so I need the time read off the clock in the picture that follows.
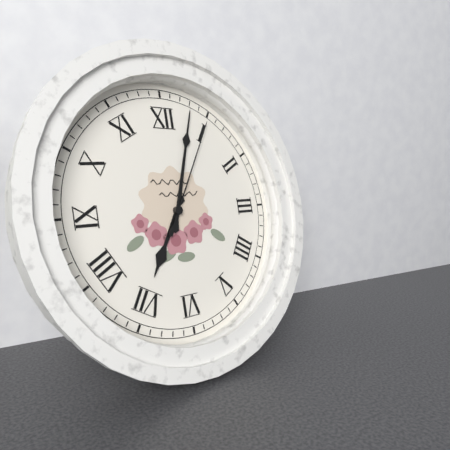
7:03:05
